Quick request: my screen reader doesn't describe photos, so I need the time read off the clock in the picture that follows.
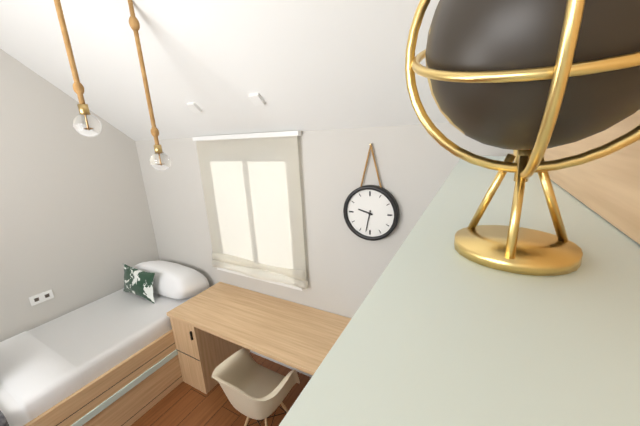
9:32
